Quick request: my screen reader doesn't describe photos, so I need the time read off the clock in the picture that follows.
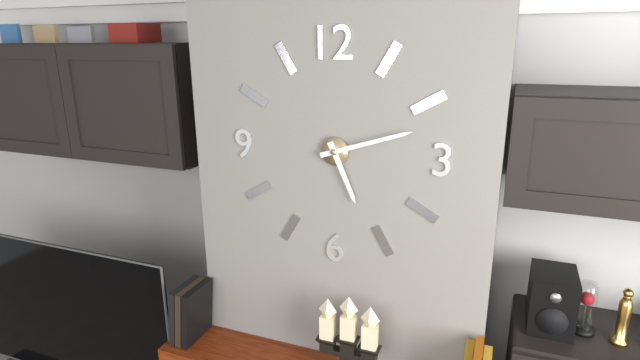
5:12
